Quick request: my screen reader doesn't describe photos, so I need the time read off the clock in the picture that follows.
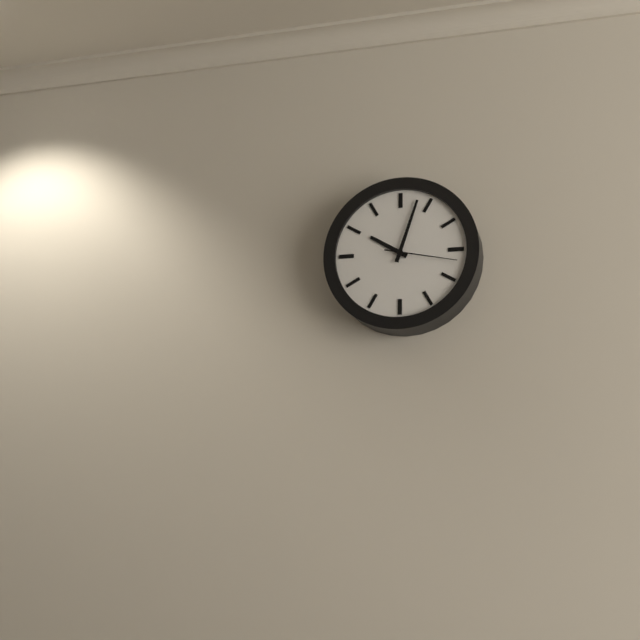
10:03:17
